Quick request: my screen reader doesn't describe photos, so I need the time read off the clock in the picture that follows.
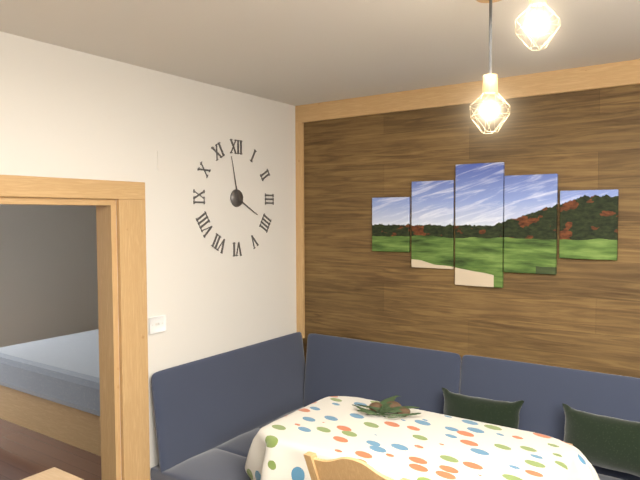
3:58
